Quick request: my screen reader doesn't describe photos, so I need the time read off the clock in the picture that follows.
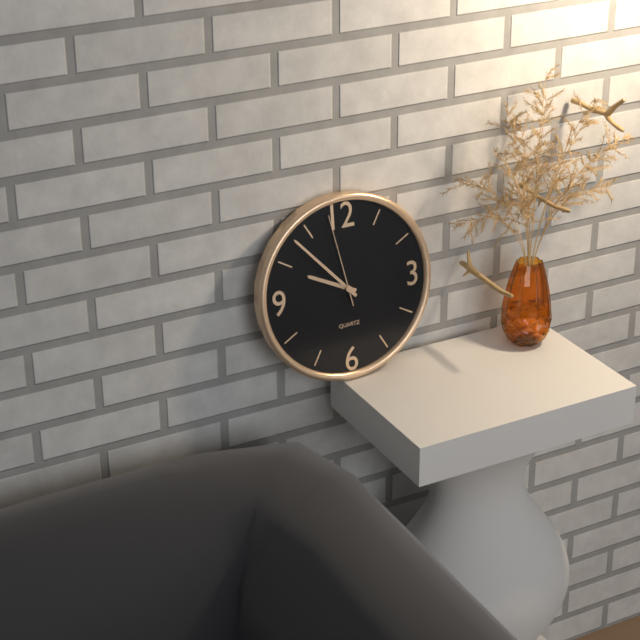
9:53:58
